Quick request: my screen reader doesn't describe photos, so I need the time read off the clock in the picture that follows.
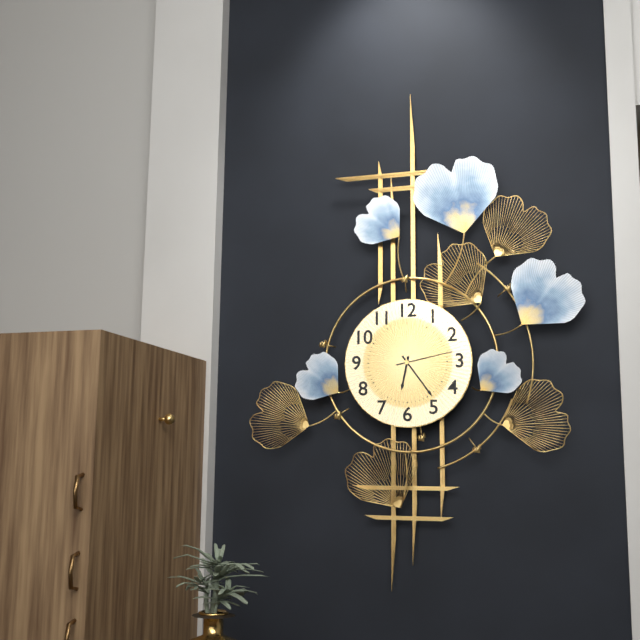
6:24:13
